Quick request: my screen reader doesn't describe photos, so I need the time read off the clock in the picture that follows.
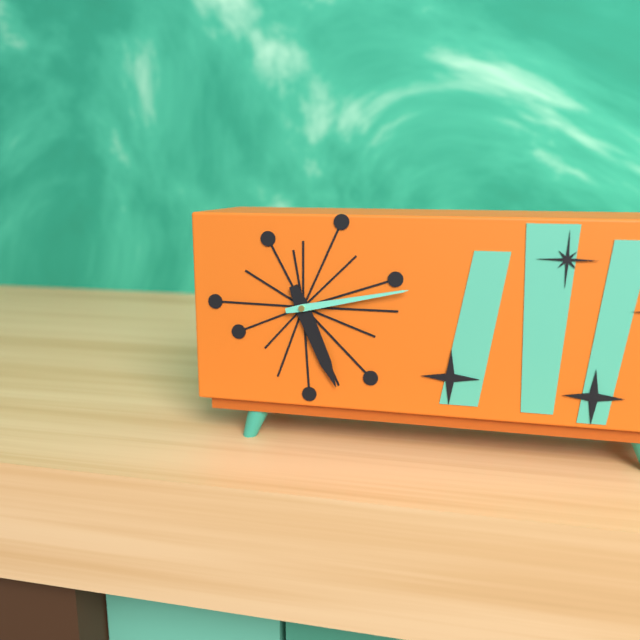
5:13
